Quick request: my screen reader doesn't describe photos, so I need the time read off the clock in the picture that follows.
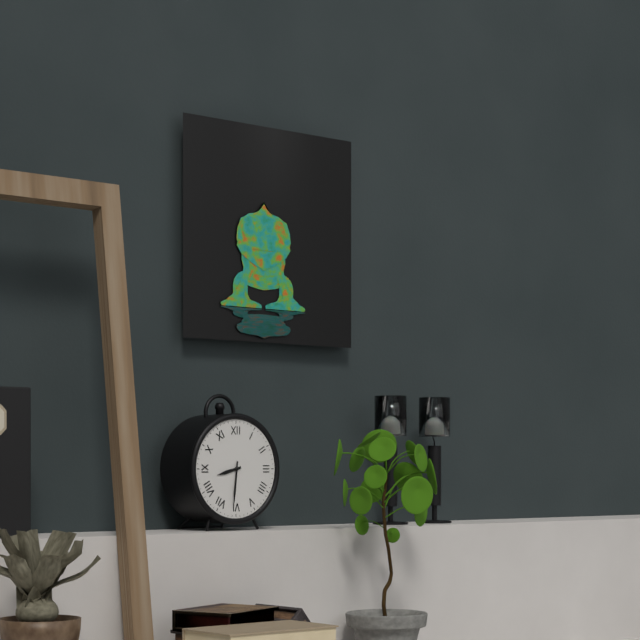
8:31
